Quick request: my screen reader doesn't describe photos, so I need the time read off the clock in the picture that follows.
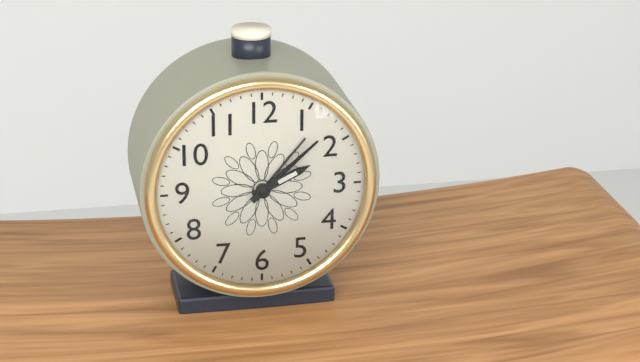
2:08
